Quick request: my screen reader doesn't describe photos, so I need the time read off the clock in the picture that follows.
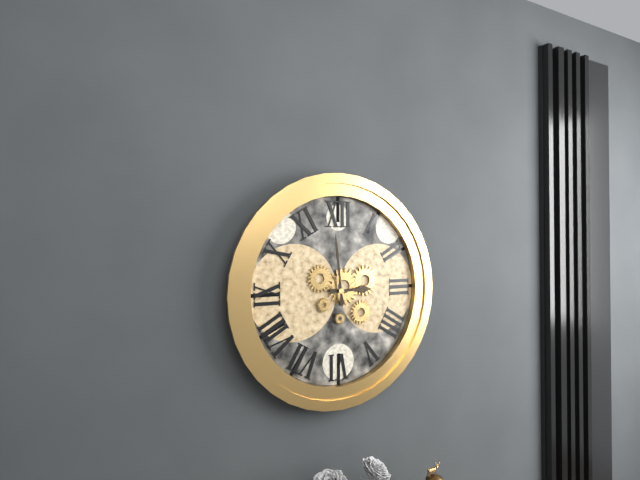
2:59
